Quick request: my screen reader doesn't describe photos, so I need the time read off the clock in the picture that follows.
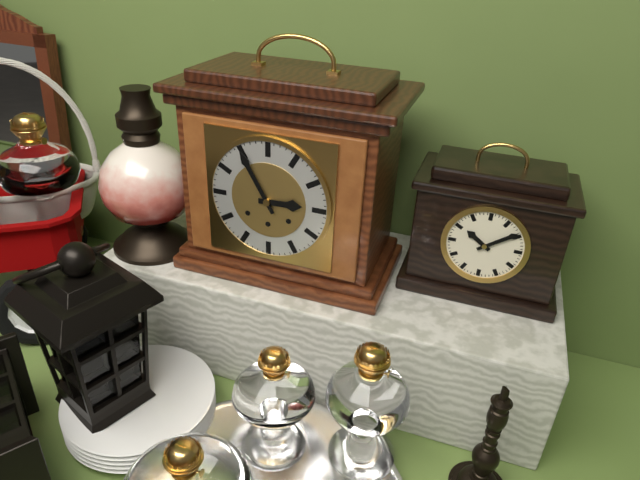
2:55
